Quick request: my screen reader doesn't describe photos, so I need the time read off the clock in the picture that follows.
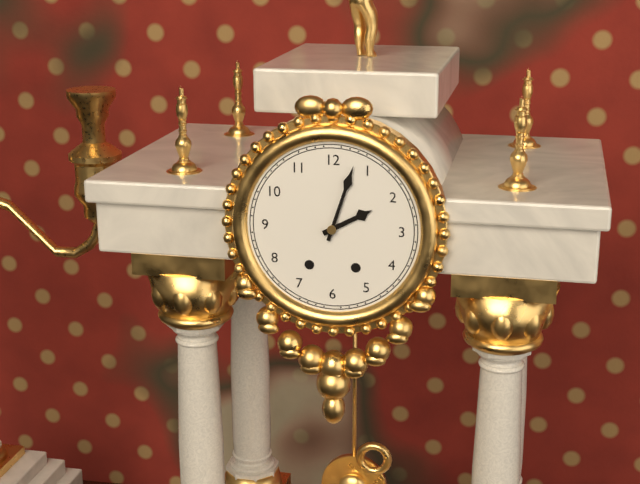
2:03
